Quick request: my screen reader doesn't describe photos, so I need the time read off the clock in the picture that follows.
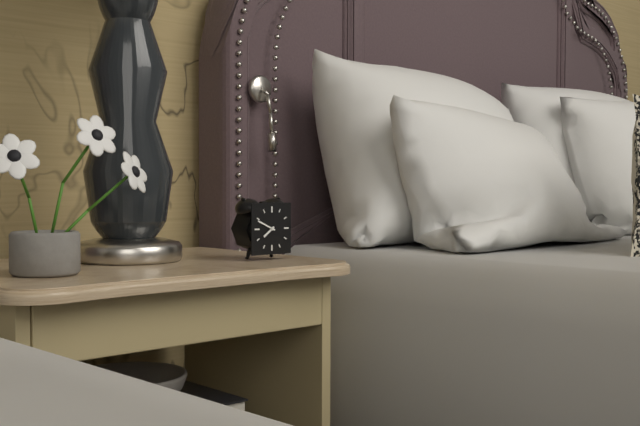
7:49
